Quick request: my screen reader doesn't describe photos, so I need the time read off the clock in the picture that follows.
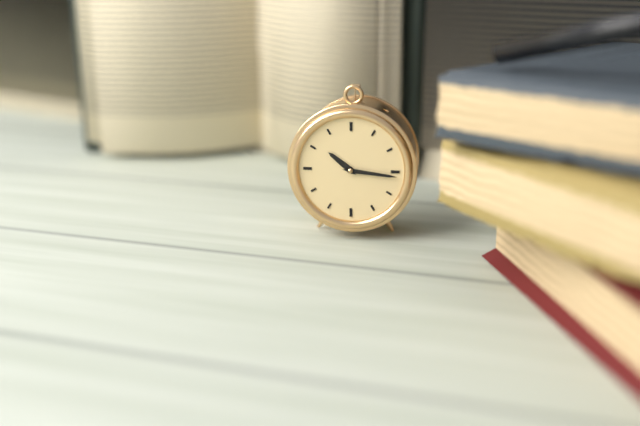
10:16
